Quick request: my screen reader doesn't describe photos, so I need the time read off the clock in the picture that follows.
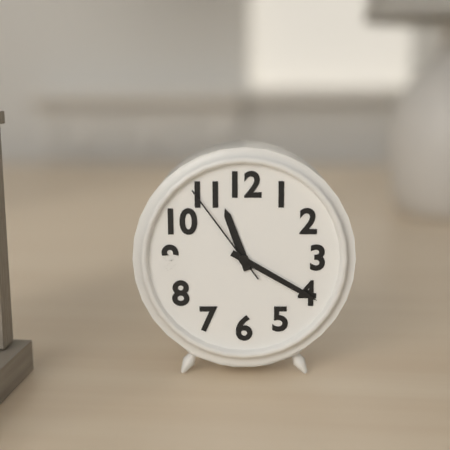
11:20:54
